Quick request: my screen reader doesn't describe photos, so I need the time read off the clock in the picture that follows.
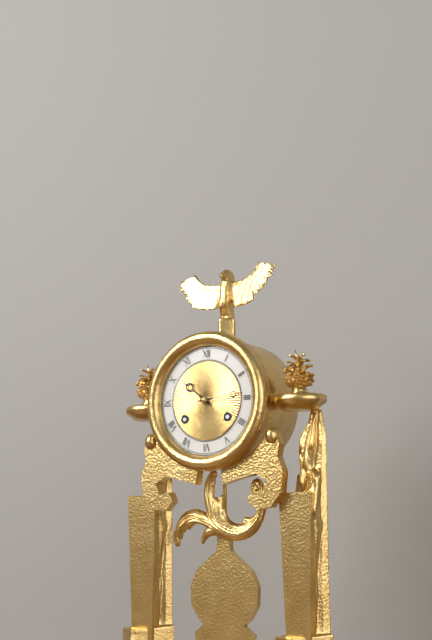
10:14
